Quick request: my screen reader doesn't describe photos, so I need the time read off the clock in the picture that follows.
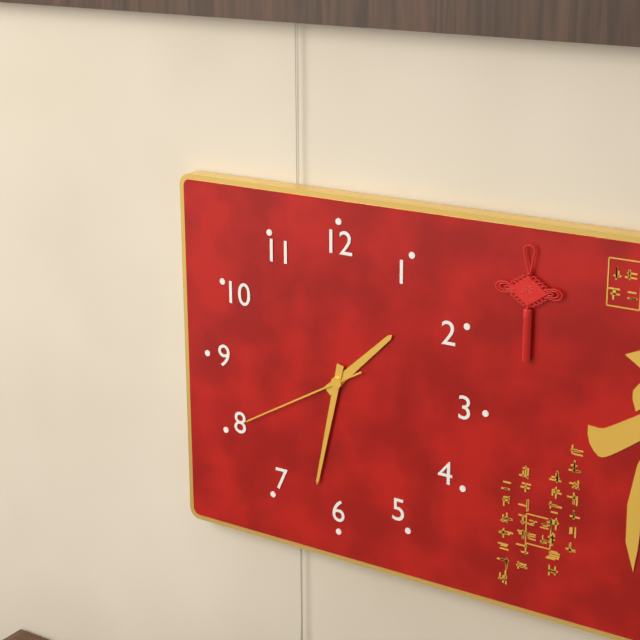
1:32:40
